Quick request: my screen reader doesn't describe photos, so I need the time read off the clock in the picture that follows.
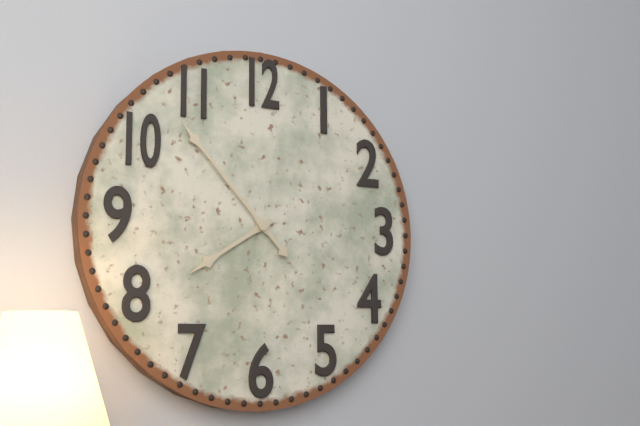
7:53
